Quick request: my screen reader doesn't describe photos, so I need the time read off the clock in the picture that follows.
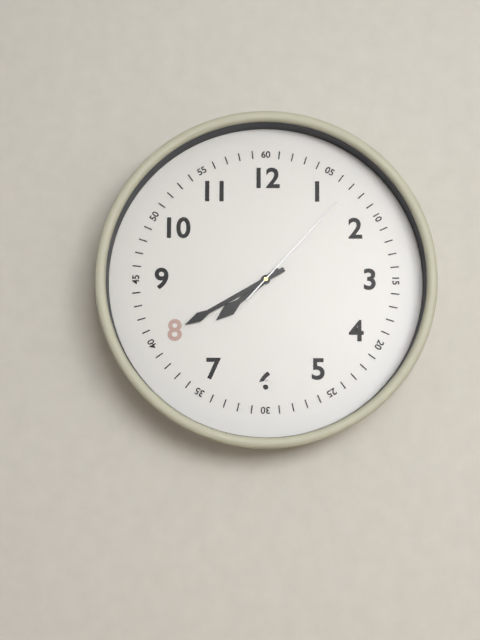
7:40:07
